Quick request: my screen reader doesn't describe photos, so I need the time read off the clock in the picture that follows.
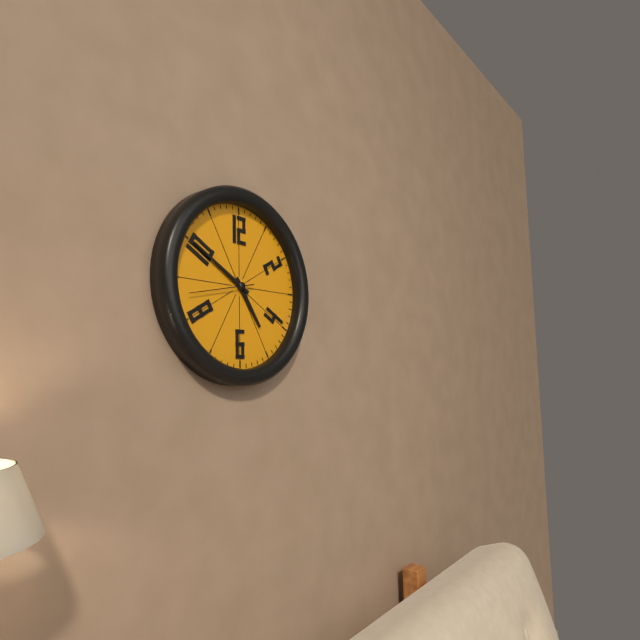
4:50:43
